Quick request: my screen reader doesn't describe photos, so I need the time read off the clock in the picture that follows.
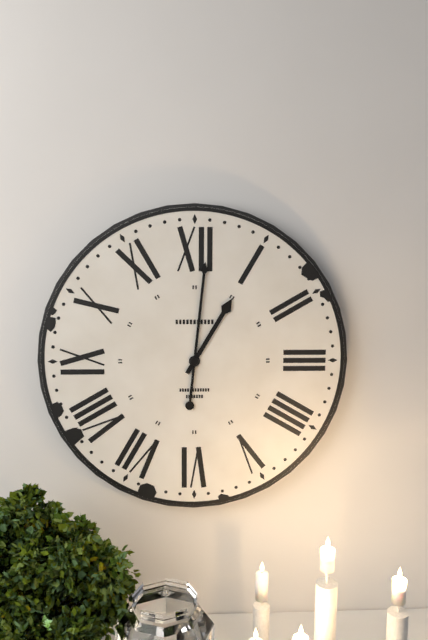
1:01
